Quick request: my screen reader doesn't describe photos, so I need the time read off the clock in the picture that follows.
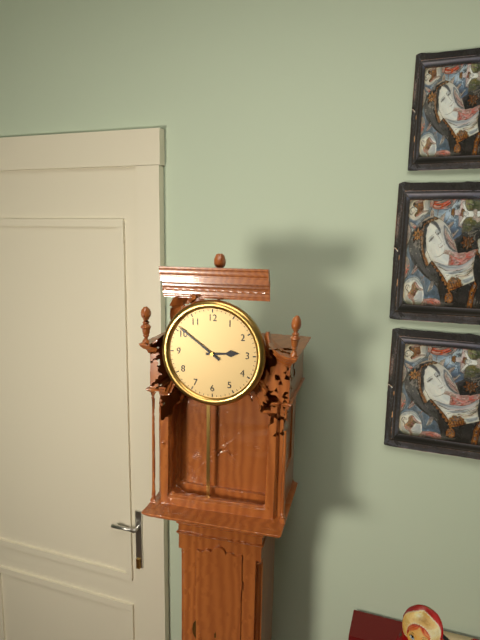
2:51
